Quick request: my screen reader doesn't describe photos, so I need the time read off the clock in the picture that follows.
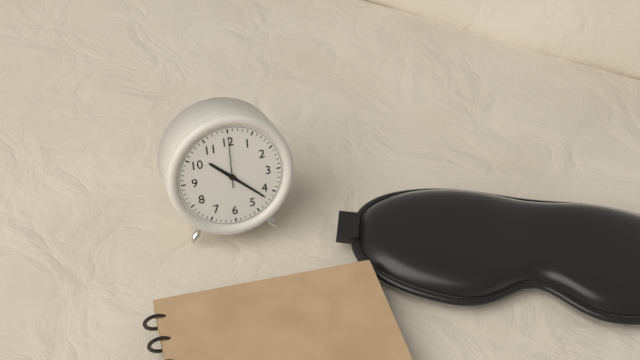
10:22
